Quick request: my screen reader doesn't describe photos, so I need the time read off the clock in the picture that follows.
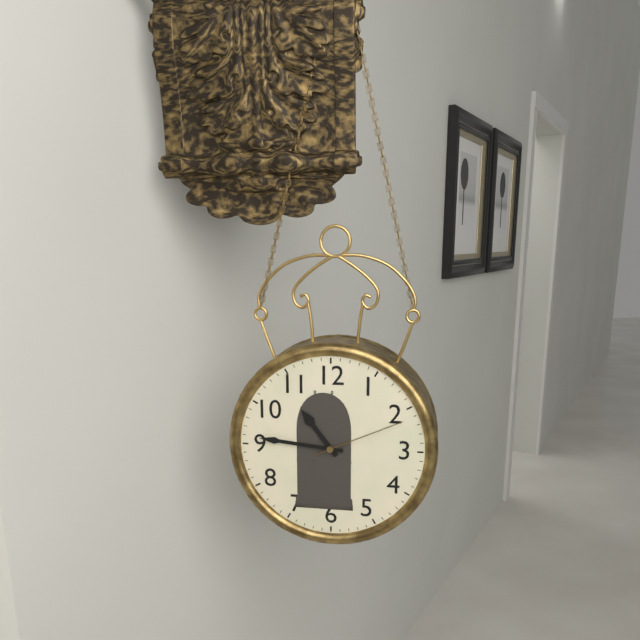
10:46:11
